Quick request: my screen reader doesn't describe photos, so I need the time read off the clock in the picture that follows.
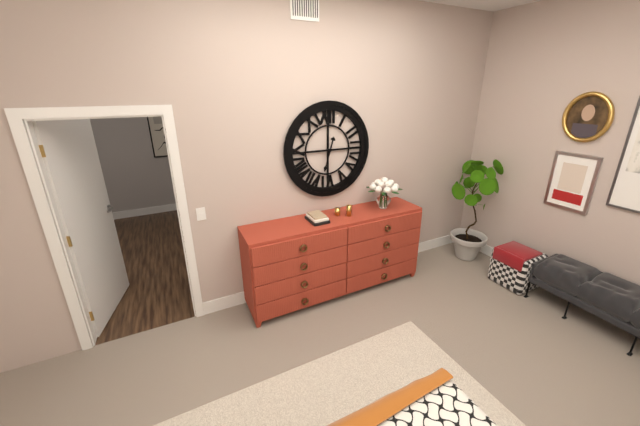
12:33
